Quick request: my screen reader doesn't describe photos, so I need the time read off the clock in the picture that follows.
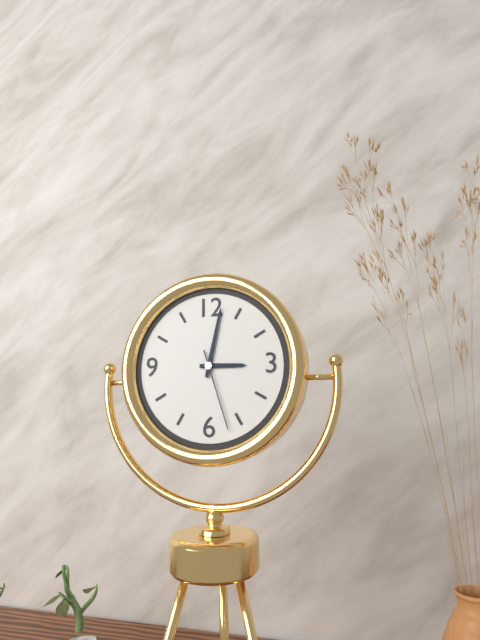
3:02:27
